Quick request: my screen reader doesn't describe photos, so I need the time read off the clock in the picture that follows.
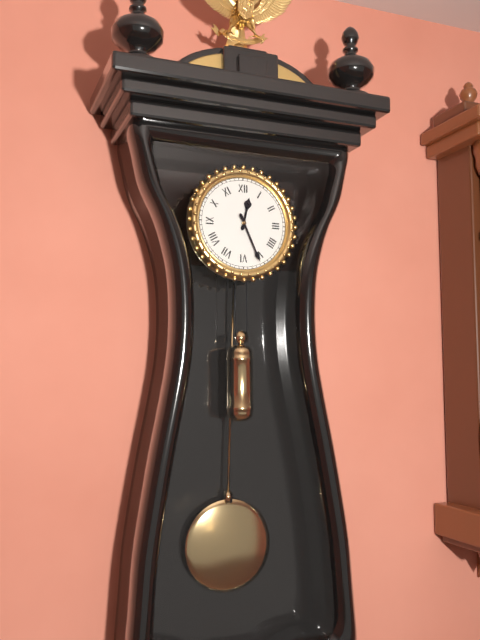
12:26
